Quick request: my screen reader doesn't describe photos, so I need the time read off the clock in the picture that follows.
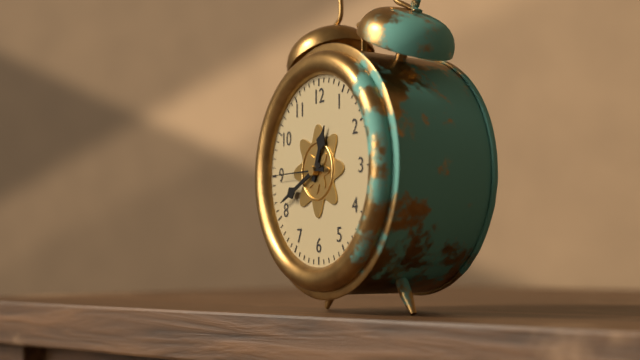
12:41:45
